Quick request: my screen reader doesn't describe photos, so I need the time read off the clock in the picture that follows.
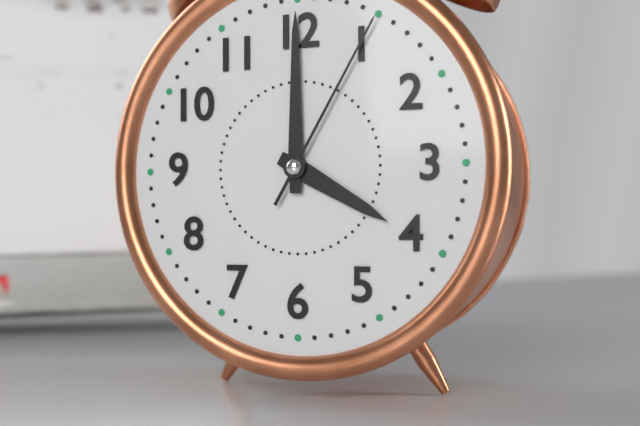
4:00:05
